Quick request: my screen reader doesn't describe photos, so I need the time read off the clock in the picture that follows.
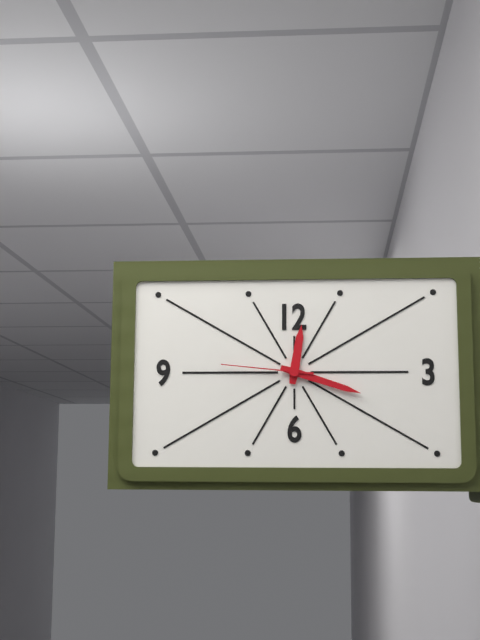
12:18:46
